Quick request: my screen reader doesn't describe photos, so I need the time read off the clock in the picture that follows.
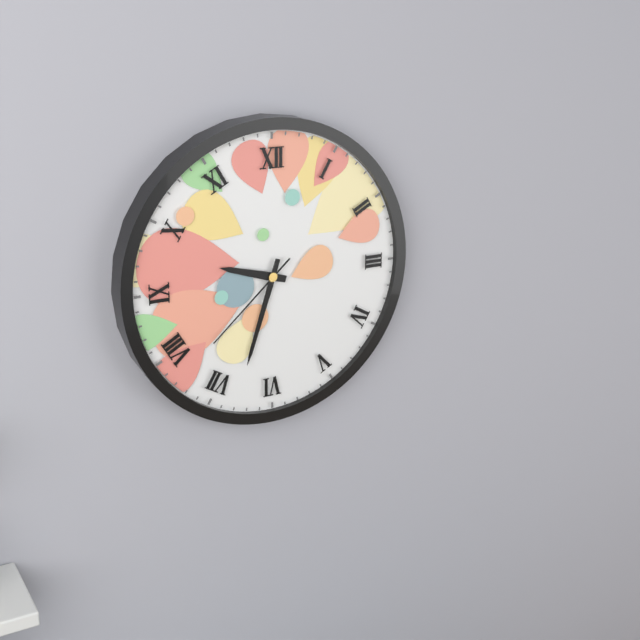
9:33:38
